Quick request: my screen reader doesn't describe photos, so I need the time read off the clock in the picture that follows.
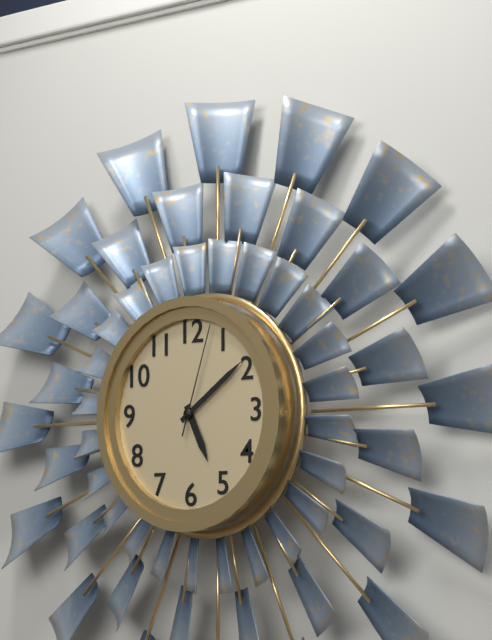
5:09:03
